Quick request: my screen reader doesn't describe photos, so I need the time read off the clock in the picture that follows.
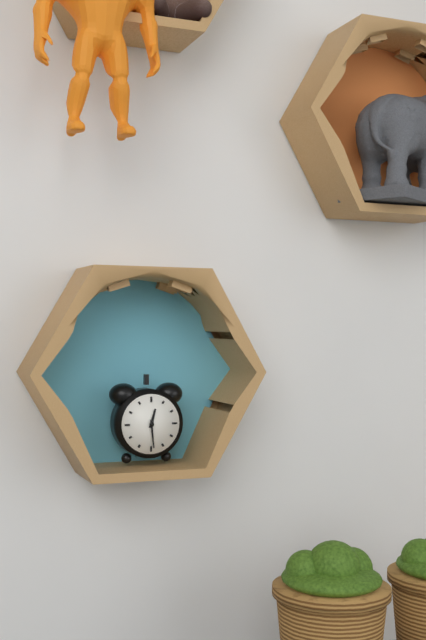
12:29
